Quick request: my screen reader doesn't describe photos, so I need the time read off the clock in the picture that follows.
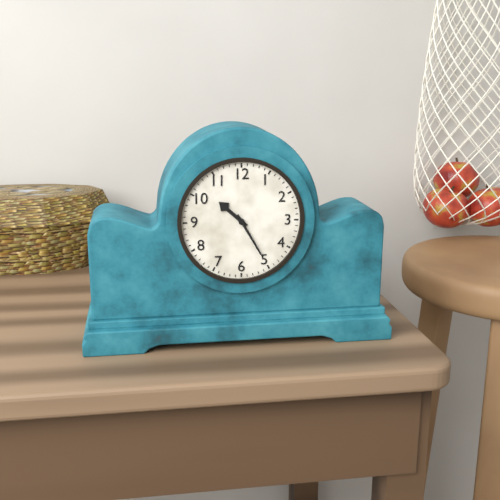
10:25
